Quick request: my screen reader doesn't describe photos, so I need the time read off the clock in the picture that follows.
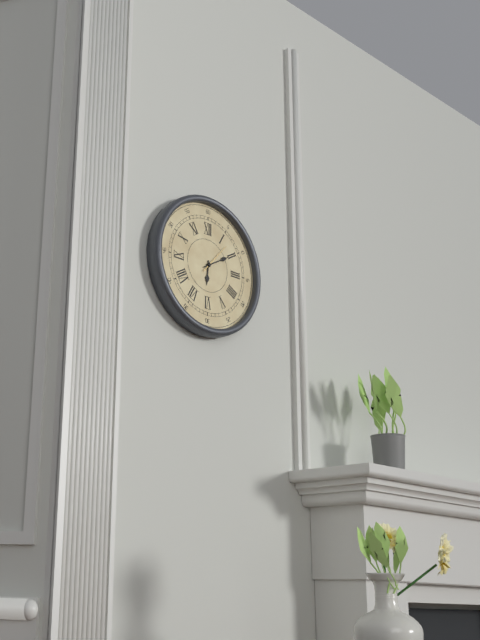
6:10
